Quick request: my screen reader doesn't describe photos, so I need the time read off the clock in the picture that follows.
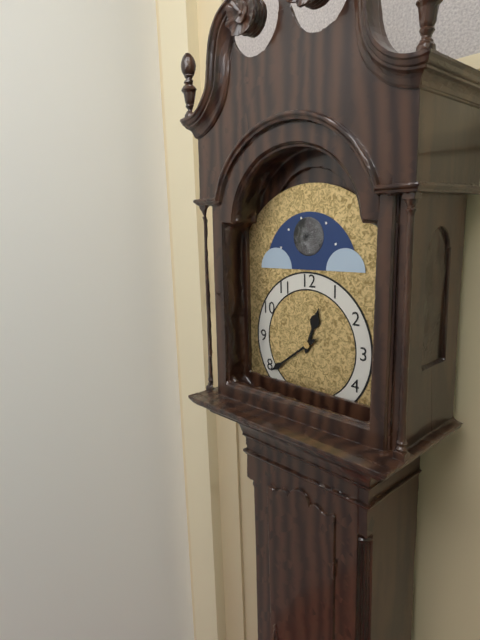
12:39
